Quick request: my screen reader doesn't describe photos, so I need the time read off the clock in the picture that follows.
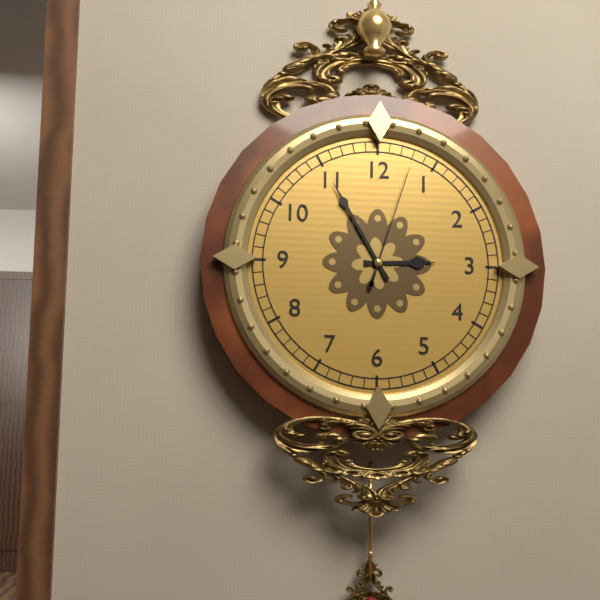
2:55:03
